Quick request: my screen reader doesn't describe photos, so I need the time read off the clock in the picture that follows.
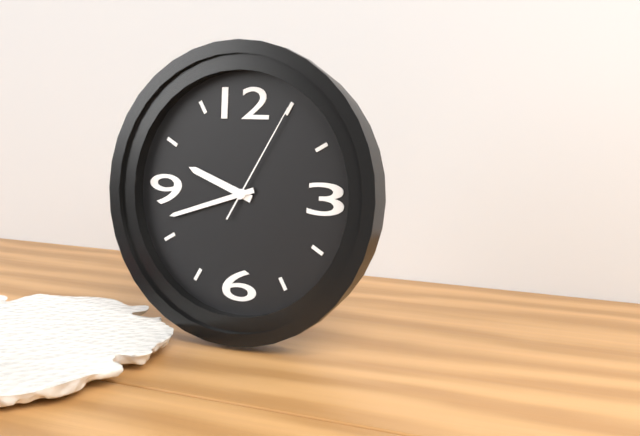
9:42:05
